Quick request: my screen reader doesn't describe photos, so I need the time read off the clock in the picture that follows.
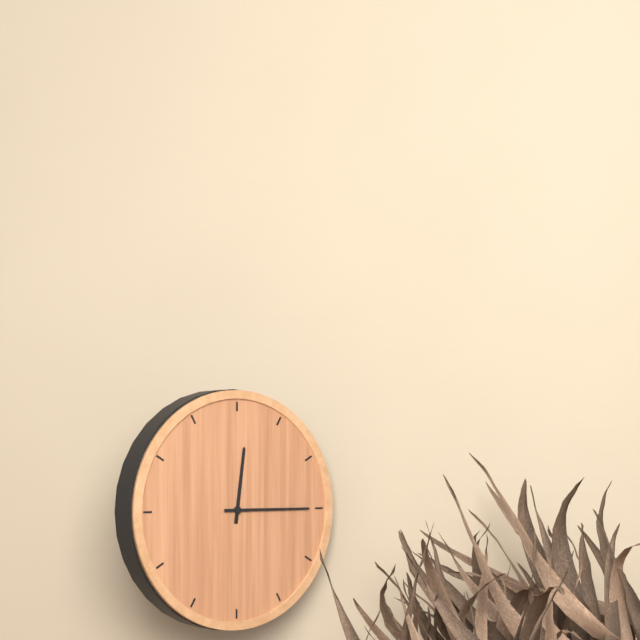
12:15
